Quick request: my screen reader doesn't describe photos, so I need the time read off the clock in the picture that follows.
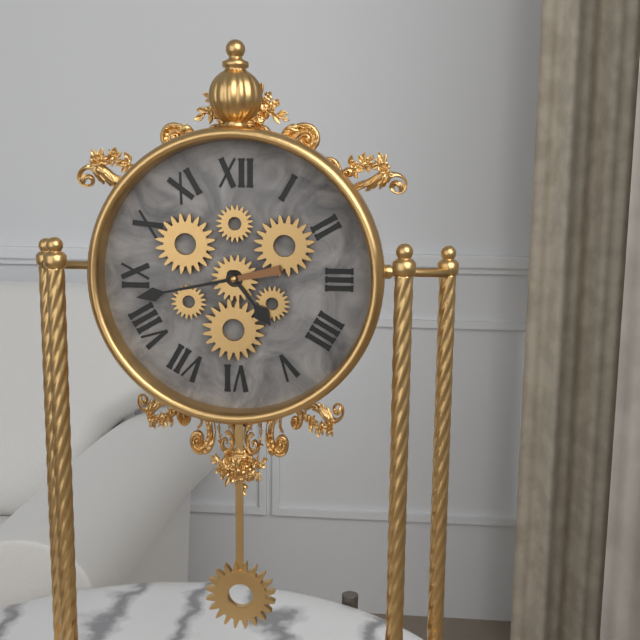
4:43
